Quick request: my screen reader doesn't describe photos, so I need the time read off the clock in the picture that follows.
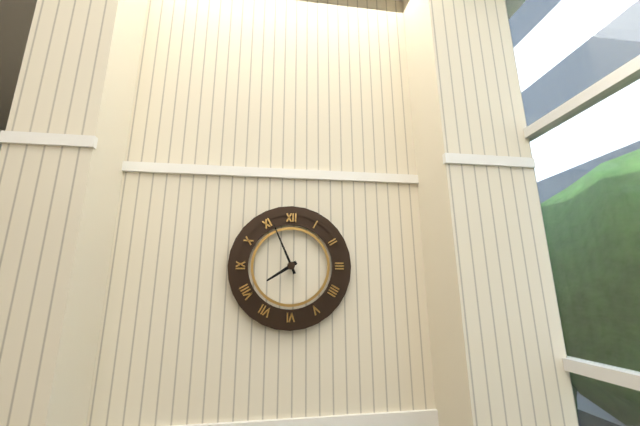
7:56
